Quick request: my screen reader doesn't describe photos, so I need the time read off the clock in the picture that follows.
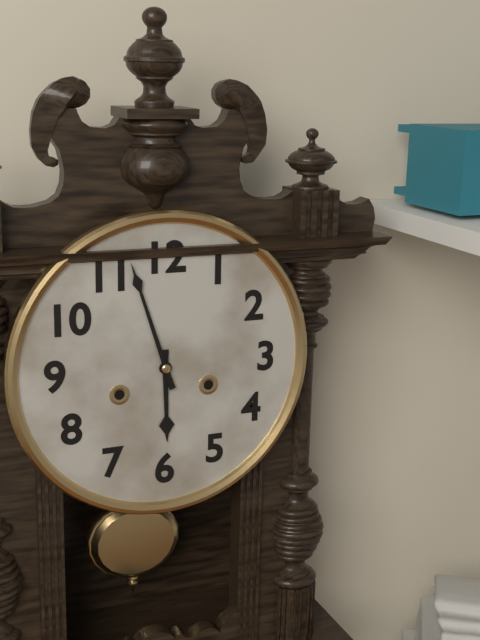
5:57
